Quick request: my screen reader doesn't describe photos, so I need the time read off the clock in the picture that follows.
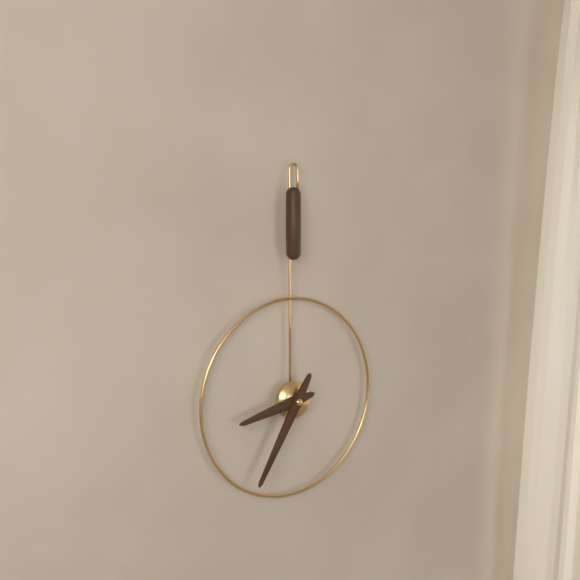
8:35
